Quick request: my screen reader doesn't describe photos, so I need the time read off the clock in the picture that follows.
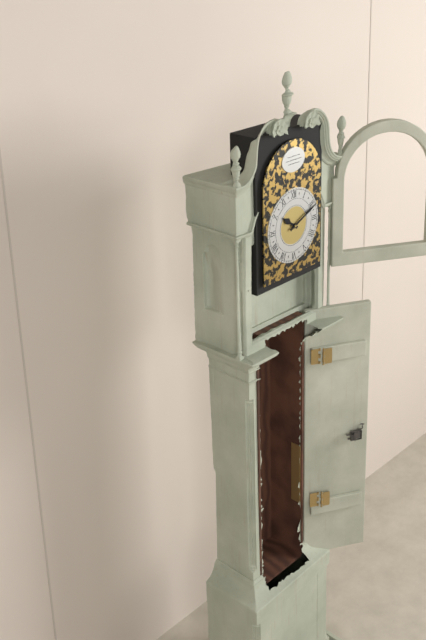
10:11
